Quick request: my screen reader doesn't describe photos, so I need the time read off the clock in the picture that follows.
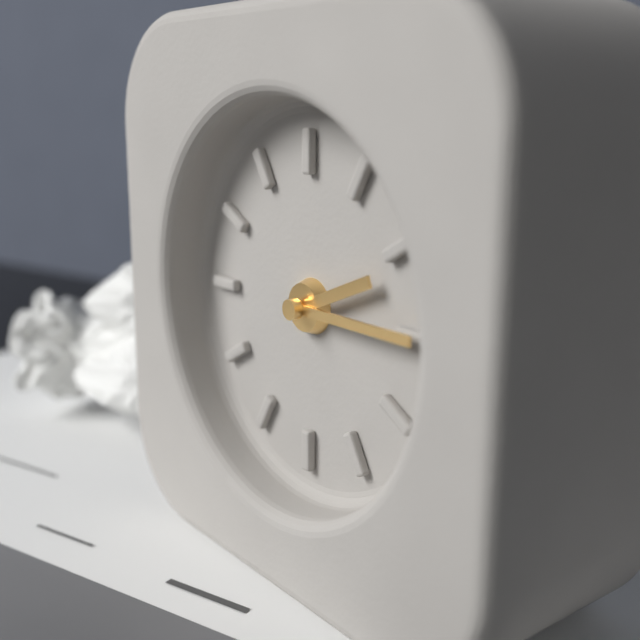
2:15
